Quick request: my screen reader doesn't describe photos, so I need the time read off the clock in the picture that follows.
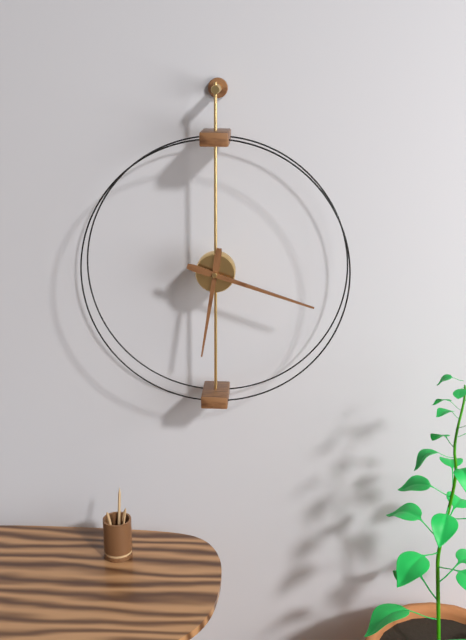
6:18
